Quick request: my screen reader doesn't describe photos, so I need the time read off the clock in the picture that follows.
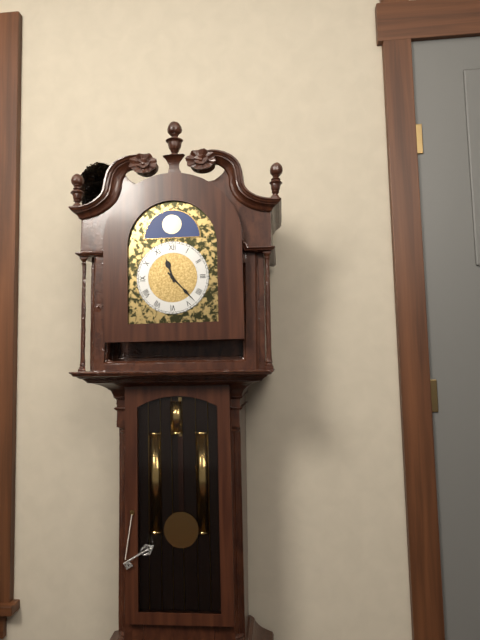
11:23
